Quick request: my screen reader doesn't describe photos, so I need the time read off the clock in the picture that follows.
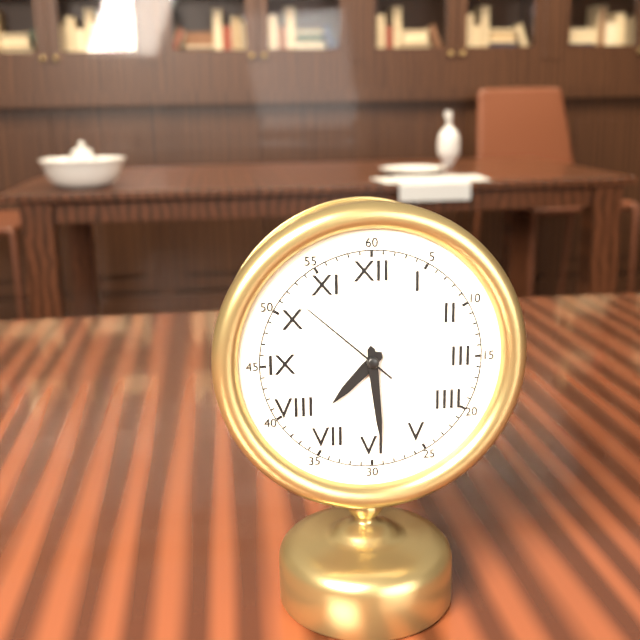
7:29:52
